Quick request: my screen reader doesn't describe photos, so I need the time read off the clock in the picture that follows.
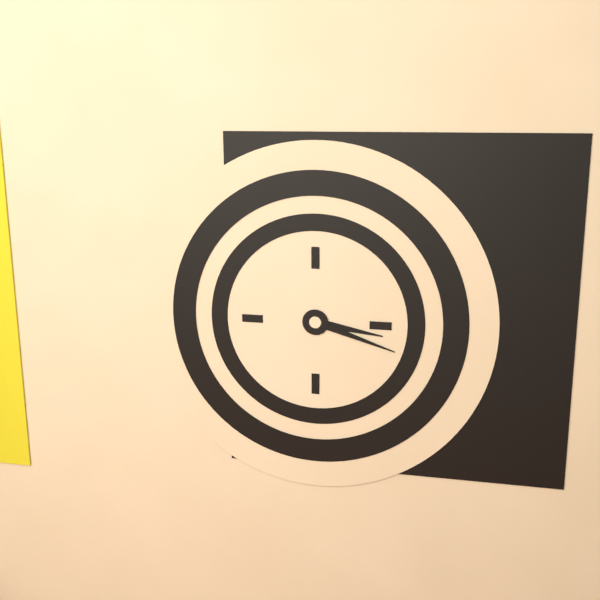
3:18
